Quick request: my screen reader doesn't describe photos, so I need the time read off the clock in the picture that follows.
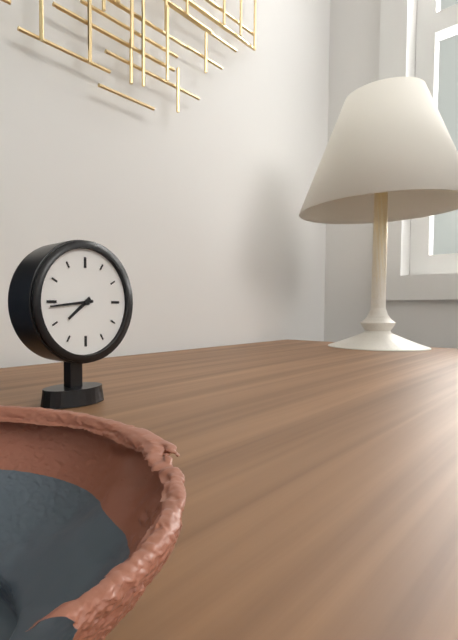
7:44
